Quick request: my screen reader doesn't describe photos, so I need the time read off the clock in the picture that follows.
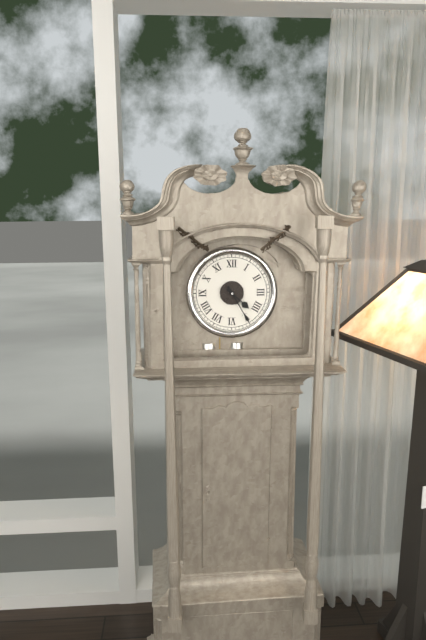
4:25
